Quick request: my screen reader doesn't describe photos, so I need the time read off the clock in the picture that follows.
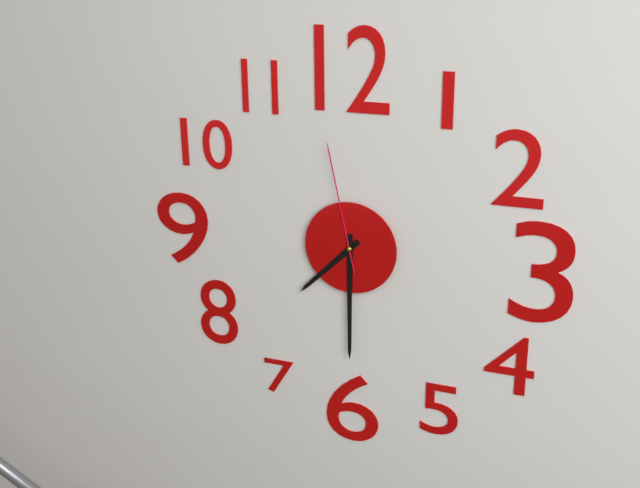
7:30:58
